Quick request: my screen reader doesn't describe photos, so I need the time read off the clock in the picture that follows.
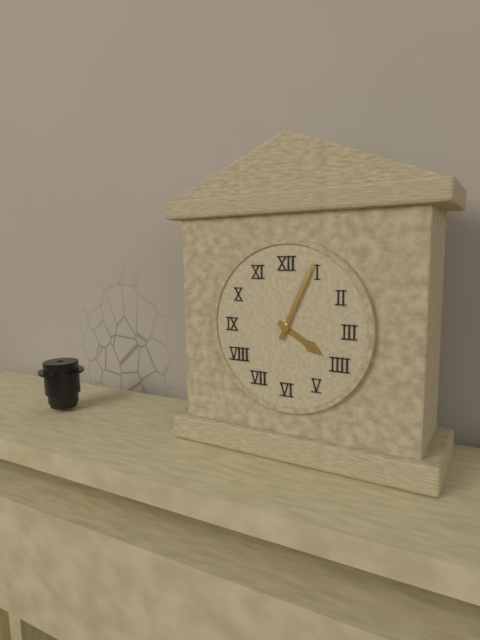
4:04
